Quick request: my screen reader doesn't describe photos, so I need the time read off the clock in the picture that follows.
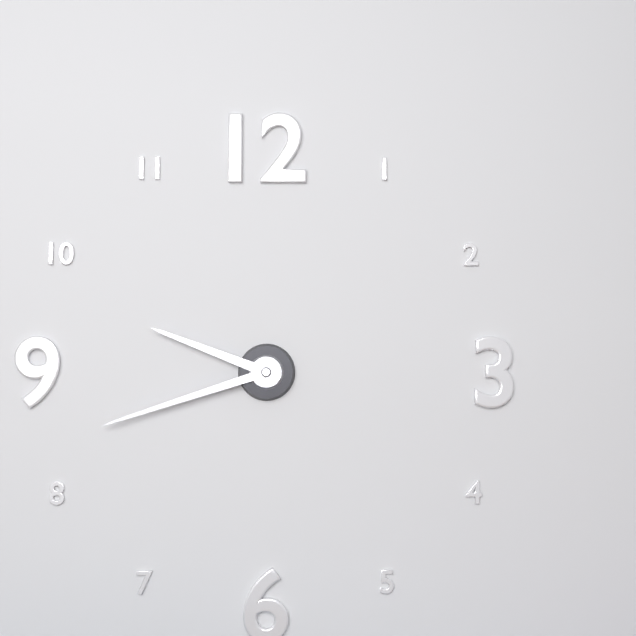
9:42
